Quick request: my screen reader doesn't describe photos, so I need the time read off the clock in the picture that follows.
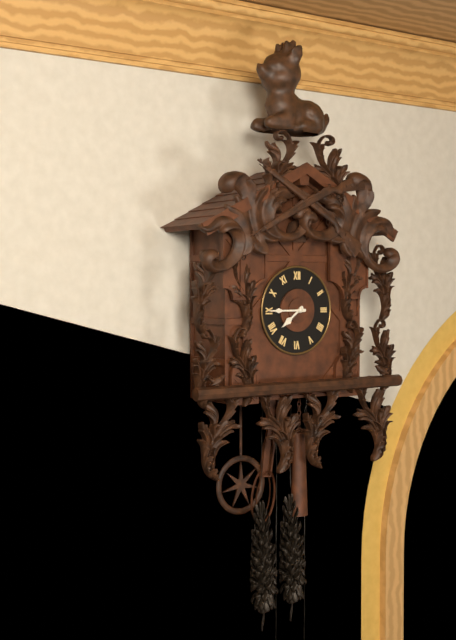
7:45
